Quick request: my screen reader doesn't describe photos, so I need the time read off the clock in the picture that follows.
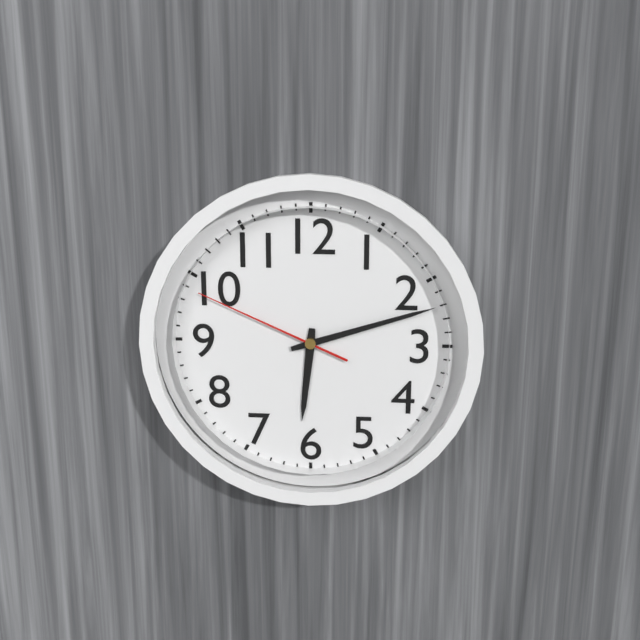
6:12:49
